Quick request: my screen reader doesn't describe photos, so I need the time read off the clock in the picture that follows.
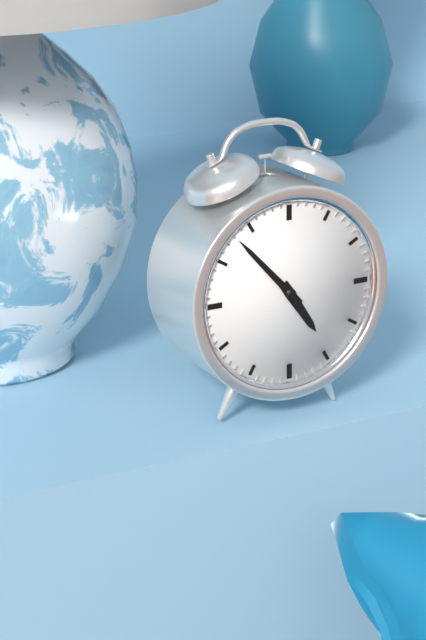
4:53
